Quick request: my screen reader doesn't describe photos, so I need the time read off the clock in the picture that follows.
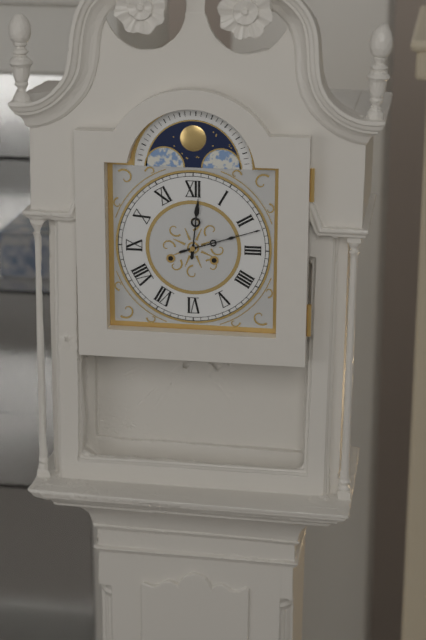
12:12
